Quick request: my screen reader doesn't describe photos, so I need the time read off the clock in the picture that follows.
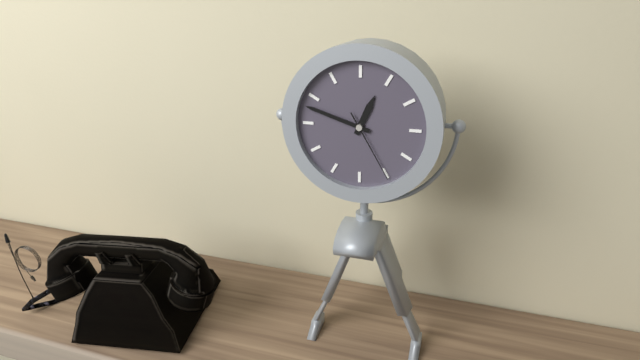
12:48:25
